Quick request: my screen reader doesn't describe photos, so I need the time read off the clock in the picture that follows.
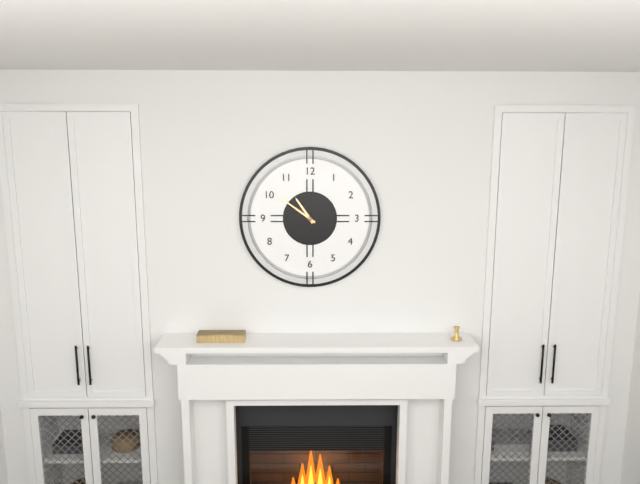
10:51
